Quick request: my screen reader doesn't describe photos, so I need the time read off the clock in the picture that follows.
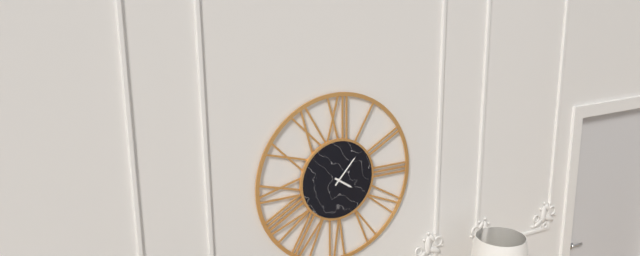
4:07
